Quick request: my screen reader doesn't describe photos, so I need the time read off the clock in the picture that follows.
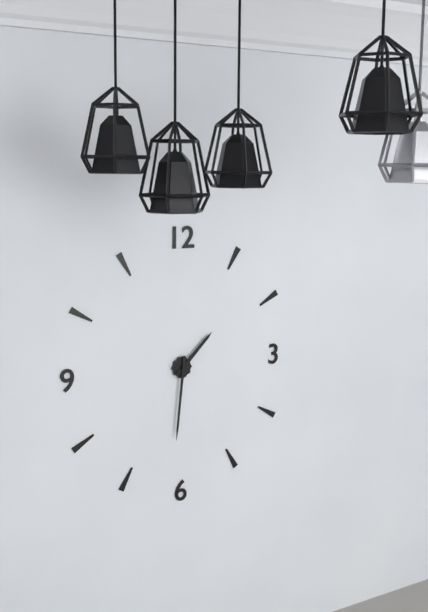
1:31
